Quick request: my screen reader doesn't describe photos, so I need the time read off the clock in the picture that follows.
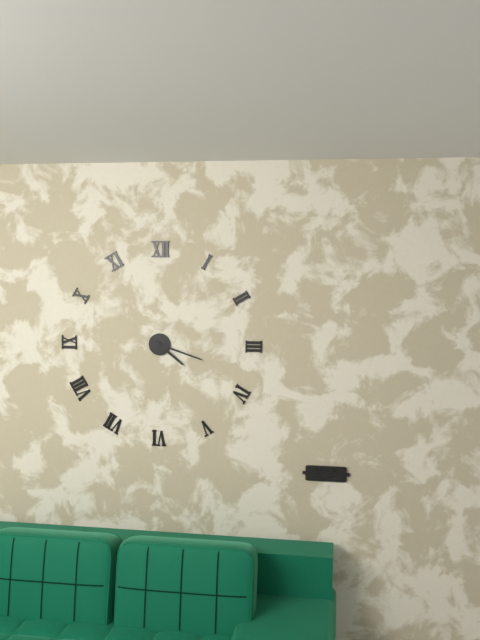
4:18
